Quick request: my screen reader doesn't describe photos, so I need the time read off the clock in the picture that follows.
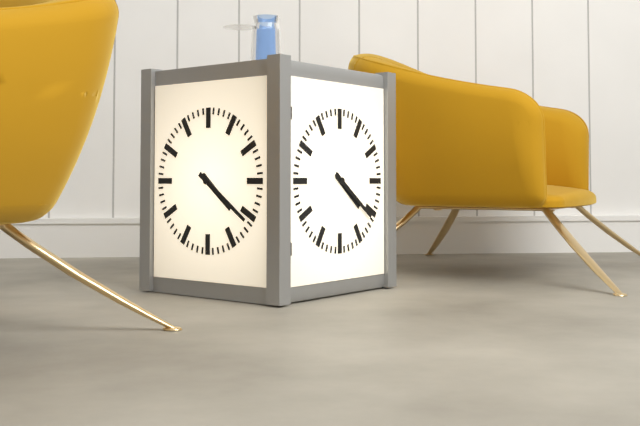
4:21
